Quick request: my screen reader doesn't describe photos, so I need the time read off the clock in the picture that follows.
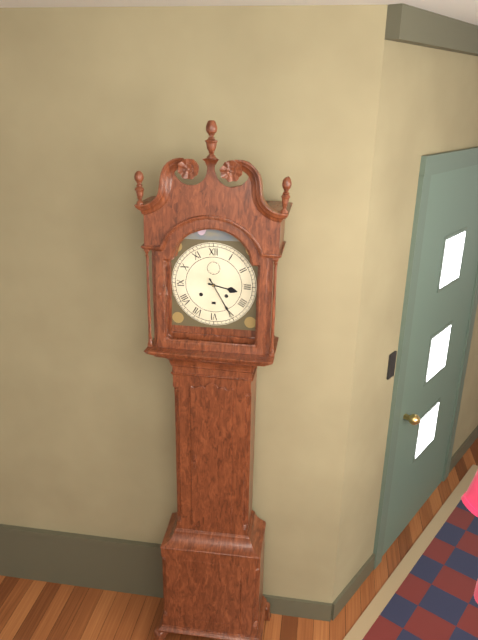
3:25
